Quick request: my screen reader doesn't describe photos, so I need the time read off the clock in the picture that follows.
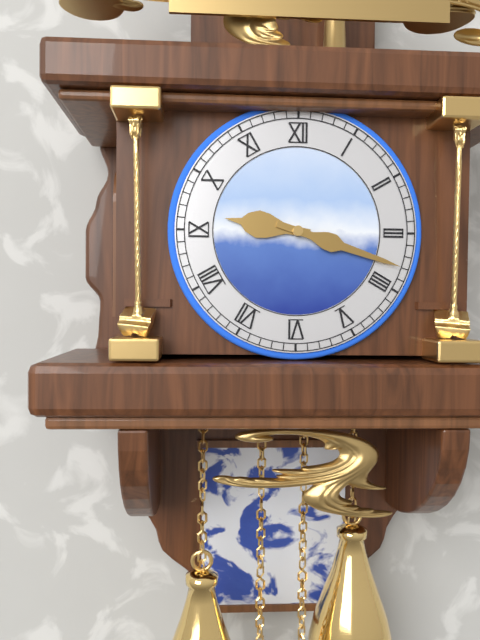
9:18
